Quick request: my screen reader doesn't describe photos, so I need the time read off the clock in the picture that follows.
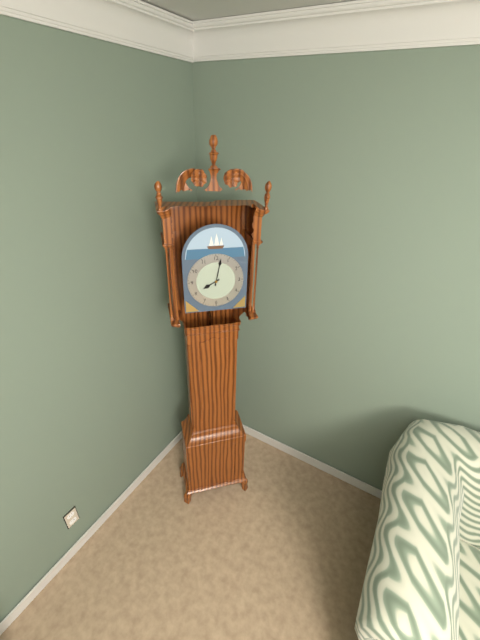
8:02
